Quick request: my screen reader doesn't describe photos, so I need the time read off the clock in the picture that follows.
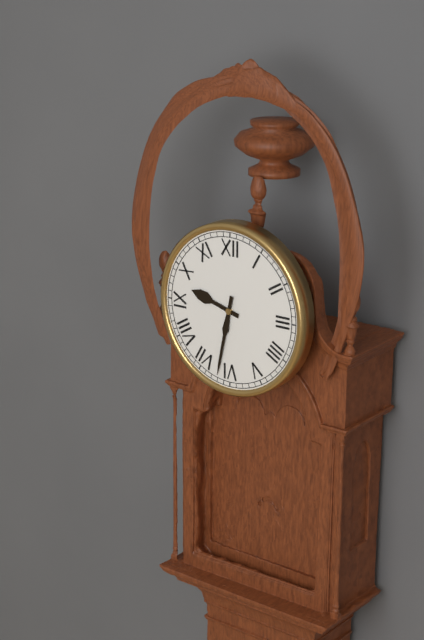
9:32
